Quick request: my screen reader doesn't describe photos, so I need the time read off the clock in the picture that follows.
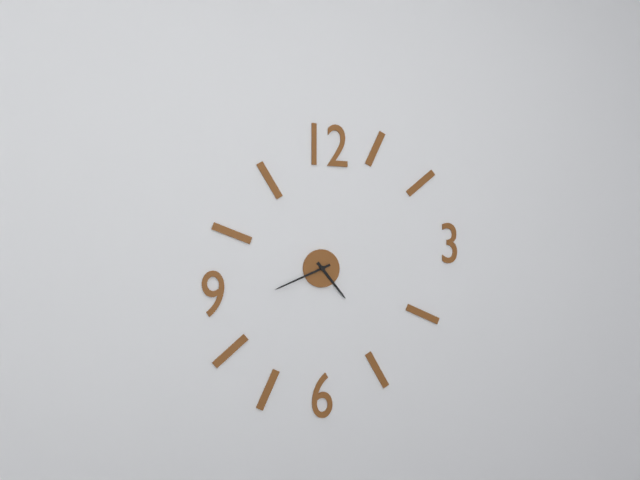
4:41
